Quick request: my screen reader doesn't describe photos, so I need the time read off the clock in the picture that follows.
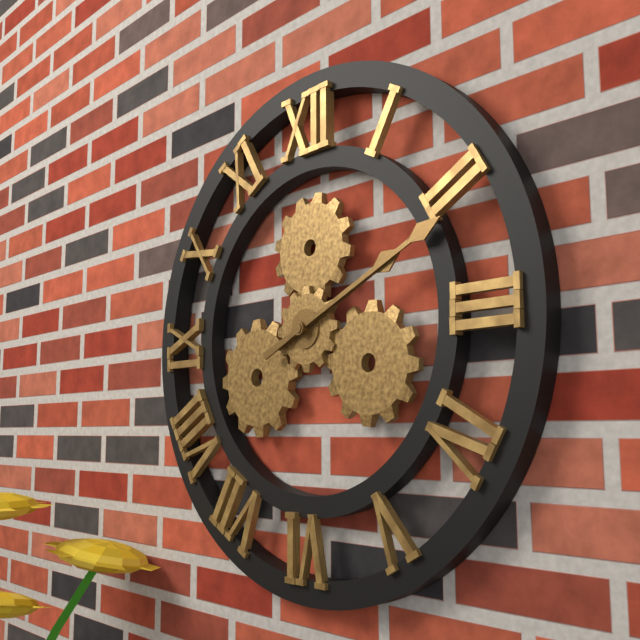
2:11
